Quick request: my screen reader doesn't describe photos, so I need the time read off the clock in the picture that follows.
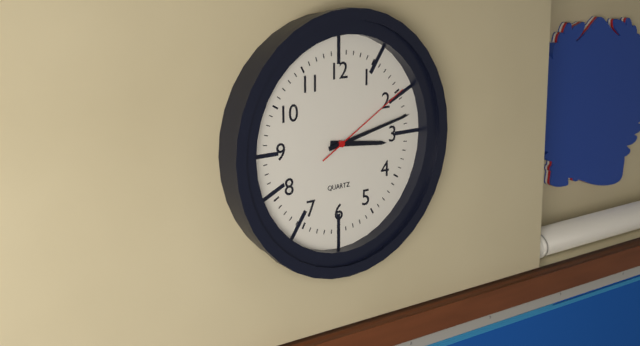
3:13:10
